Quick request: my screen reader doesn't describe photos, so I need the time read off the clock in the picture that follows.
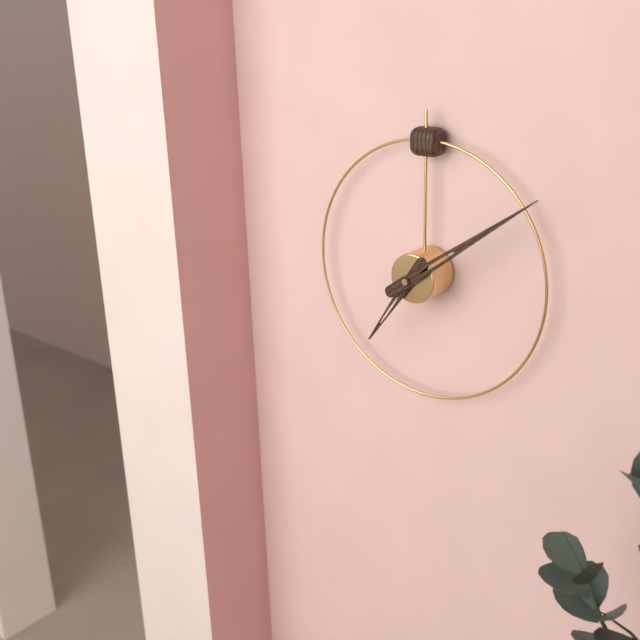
7:09
